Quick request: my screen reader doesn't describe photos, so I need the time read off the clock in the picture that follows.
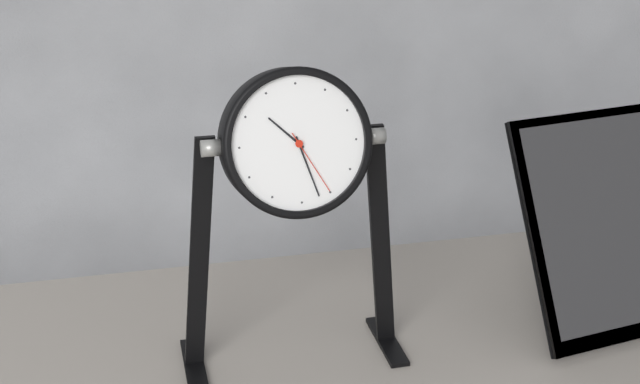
10:27:25
